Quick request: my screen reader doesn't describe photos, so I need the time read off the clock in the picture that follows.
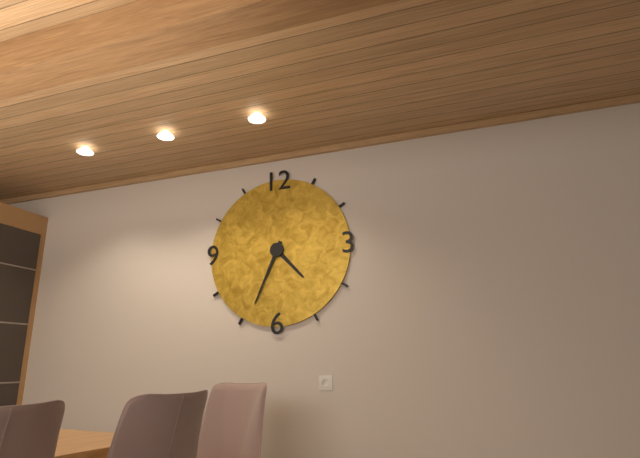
4:34
